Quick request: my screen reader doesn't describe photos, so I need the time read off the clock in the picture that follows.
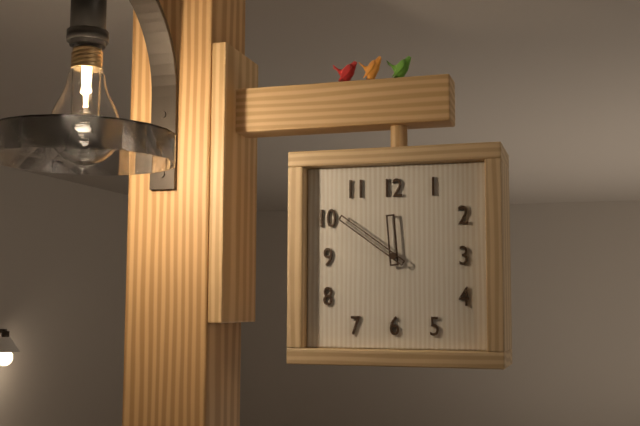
11:51
